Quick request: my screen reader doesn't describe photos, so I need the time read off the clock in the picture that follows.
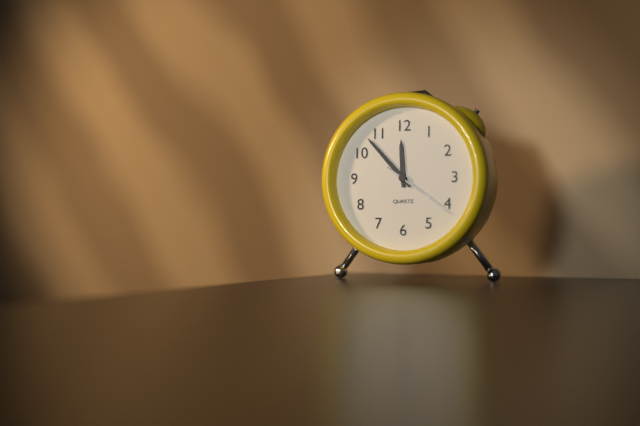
11:53:21
